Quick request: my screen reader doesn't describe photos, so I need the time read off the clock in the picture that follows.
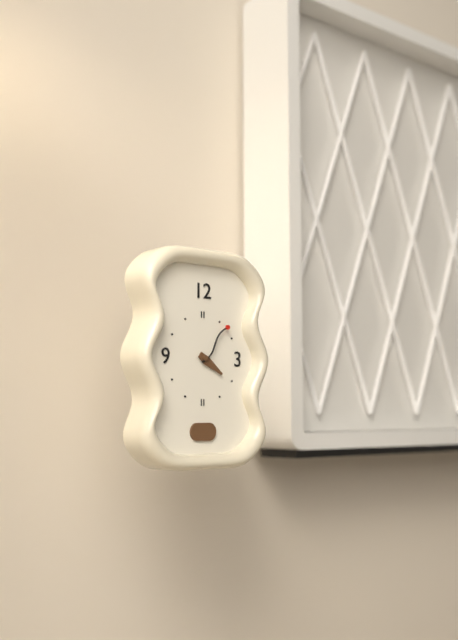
4:07
